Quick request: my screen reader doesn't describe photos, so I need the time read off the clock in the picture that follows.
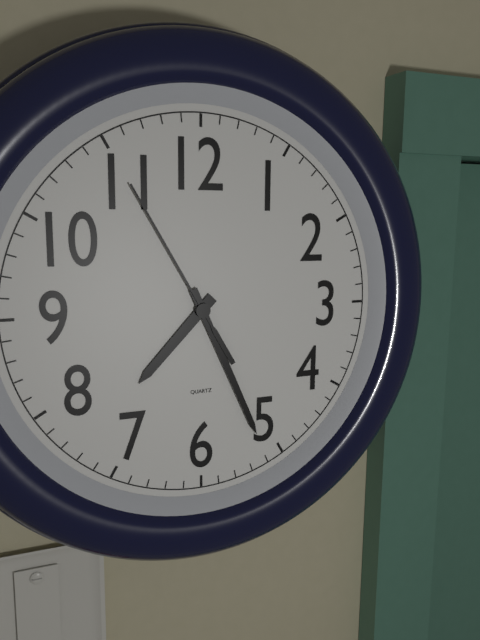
7:26:55
